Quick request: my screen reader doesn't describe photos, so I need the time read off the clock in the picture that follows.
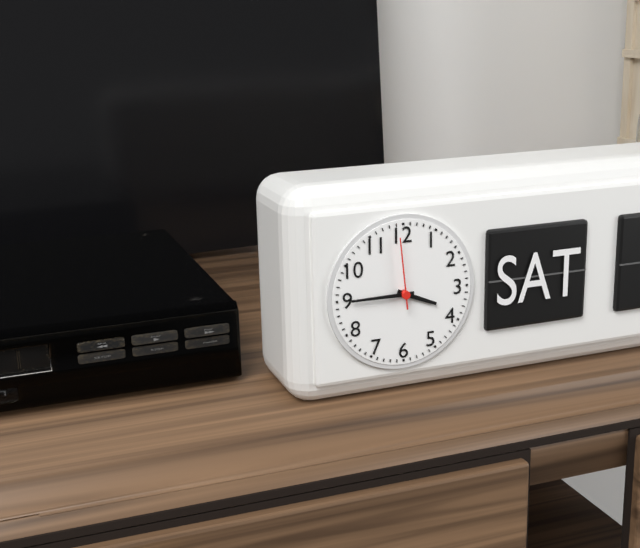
3:45:59
